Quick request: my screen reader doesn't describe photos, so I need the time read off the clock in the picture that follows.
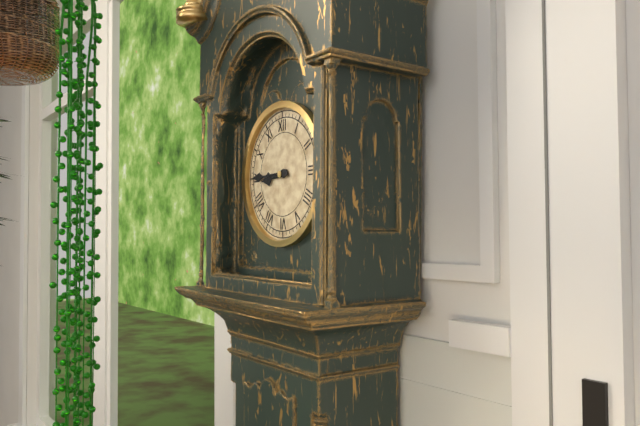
8:45
